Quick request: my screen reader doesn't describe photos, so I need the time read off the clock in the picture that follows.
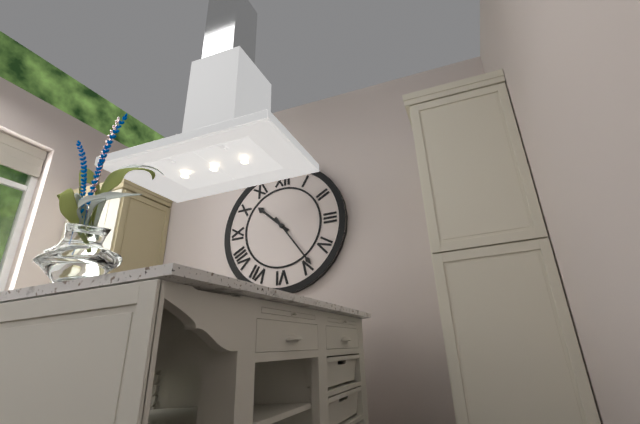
10:24
